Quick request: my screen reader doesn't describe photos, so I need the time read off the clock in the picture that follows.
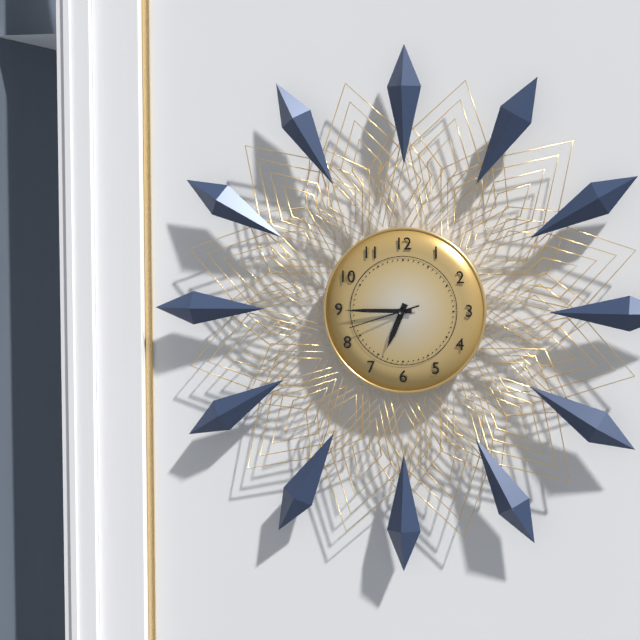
6:45:42
